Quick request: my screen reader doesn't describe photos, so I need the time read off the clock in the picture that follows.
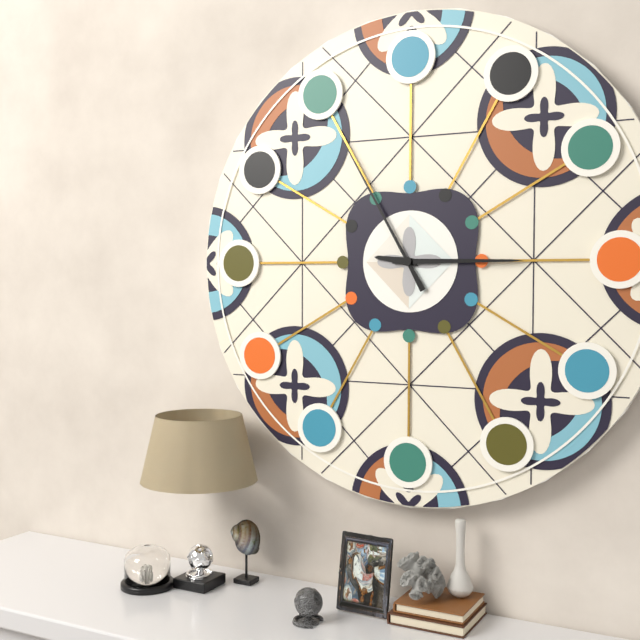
9:15:55
